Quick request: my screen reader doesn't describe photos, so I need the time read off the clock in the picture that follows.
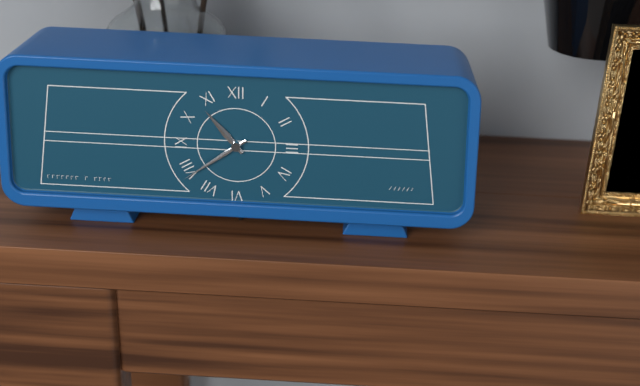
10:39
